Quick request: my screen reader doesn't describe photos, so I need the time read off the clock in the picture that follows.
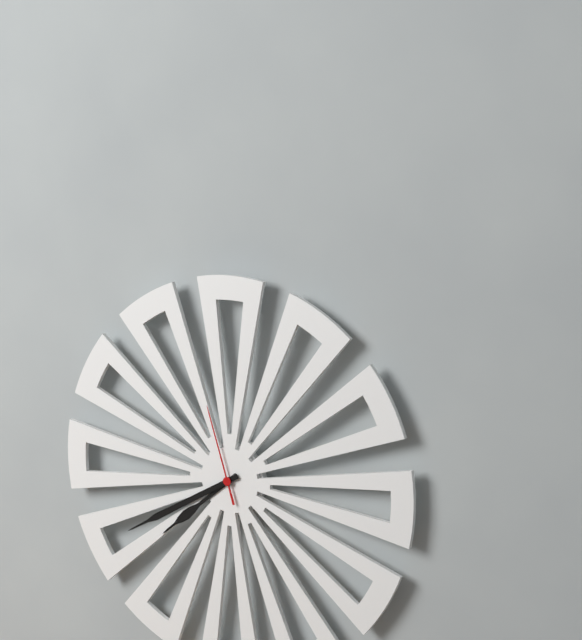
7:40:57
